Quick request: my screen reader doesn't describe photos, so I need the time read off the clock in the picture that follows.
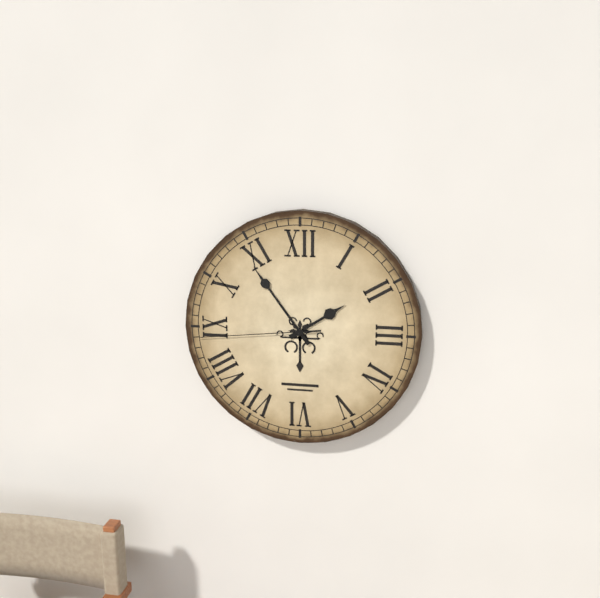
1:54:44
